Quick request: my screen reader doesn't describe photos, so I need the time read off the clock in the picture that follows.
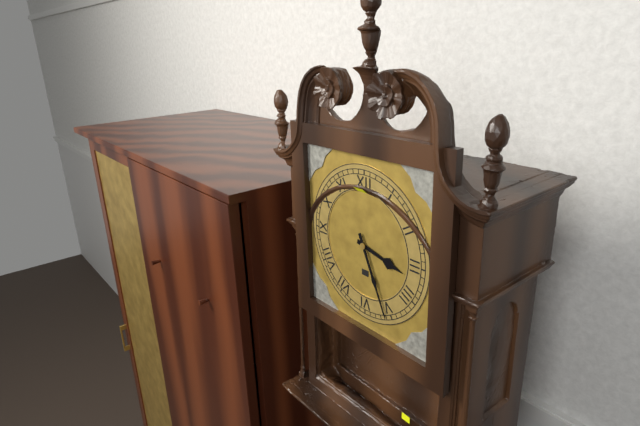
3:26
